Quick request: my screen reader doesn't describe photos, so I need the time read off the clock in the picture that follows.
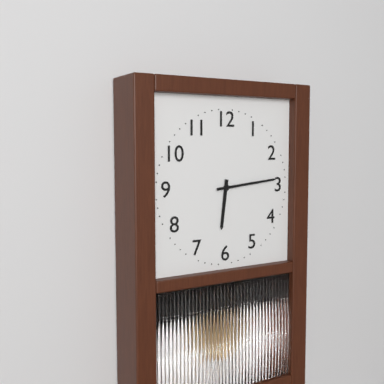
6:14
